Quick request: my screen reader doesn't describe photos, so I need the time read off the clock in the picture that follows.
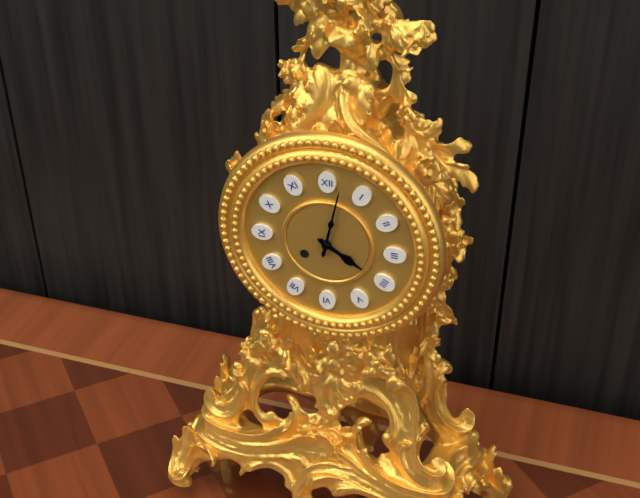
4:02
